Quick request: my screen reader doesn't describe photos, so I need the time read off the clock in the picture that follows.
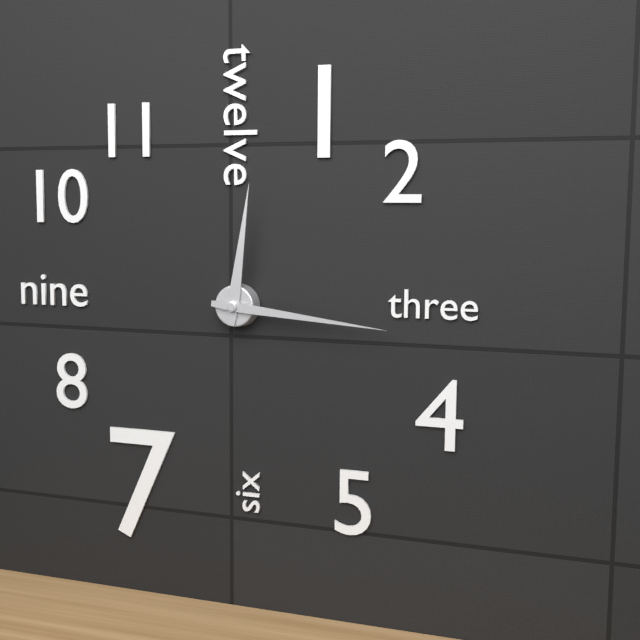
12:16
